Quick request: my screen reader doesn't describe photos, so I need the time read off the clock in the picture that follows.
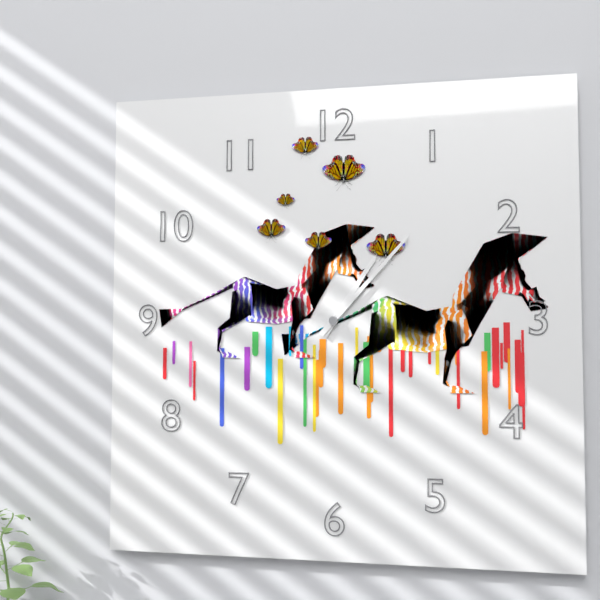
1:07
